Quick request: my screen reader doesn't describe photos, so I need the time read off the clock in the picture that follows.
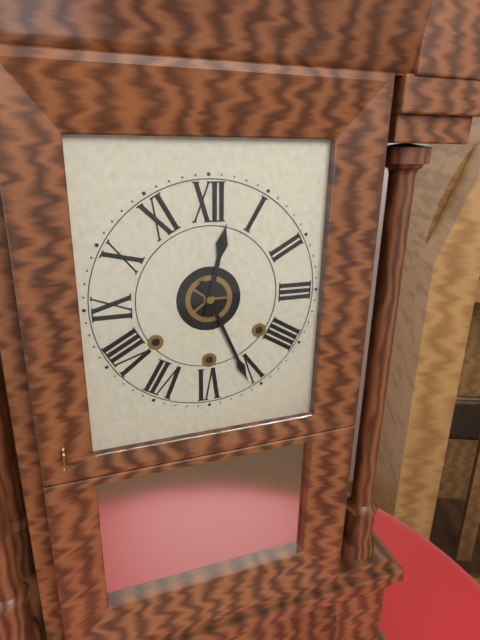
12:26
